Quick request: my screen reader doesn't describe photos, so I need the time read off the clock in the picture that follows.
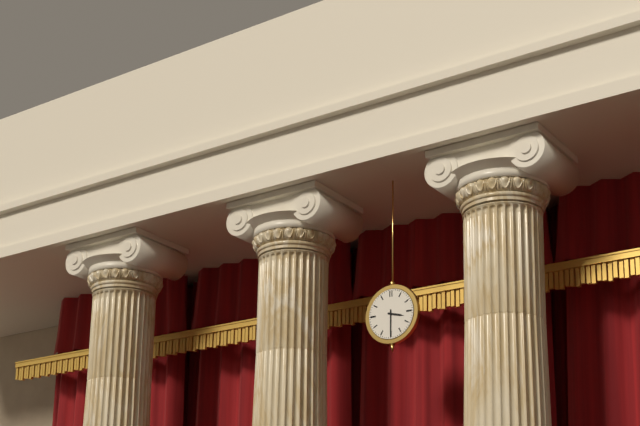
3:30
